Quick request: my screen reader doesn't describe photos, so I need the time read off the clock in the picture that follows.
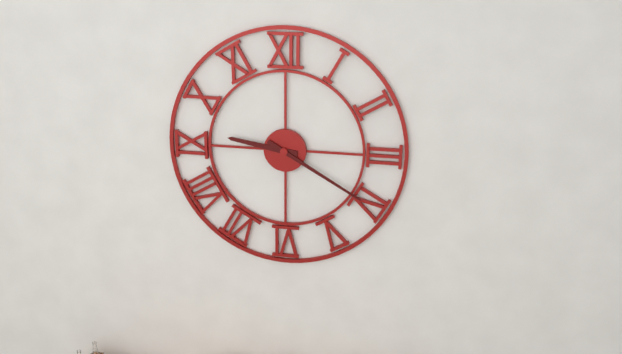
9:20
